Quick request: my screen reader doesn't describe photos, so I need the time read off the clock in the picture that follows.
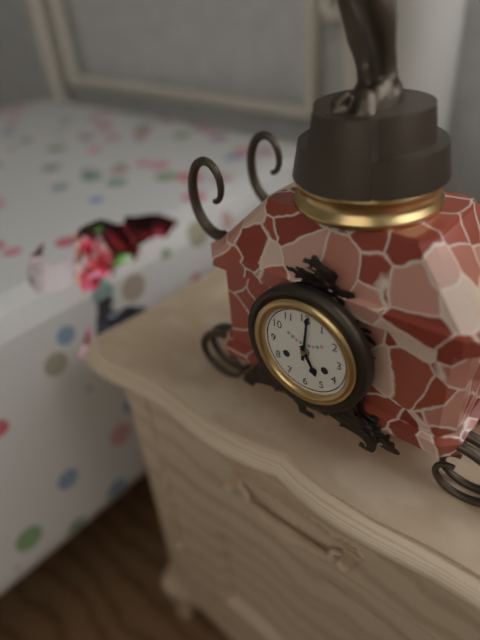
5:01
